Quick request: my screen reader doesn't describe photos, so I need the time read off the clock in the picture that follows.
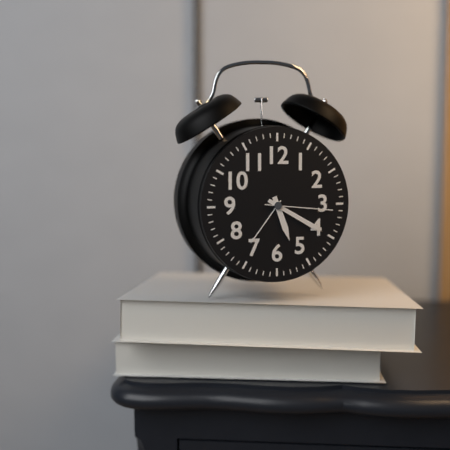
5:20:16
